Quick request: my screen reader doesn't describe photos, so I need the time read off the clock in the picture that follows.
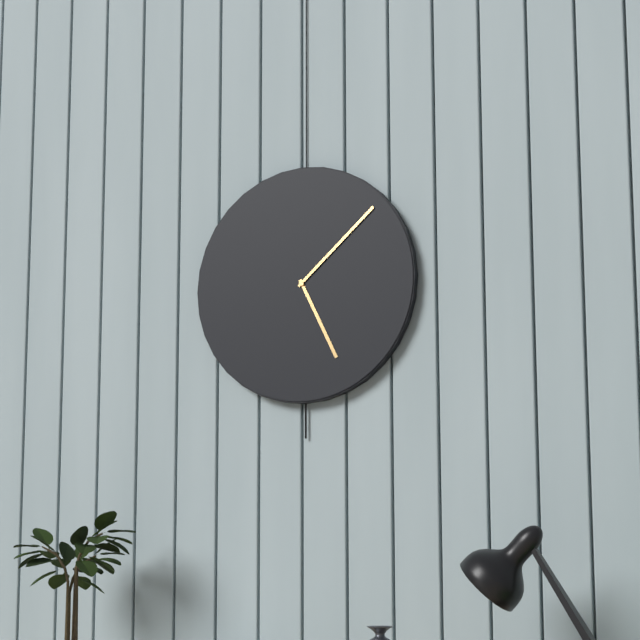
5:08
